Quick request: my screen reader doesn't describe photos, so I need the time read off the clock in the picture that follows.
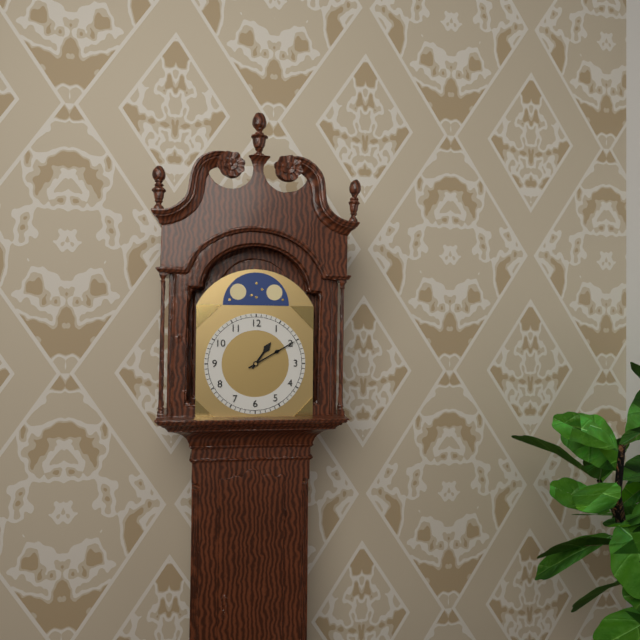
1:10
